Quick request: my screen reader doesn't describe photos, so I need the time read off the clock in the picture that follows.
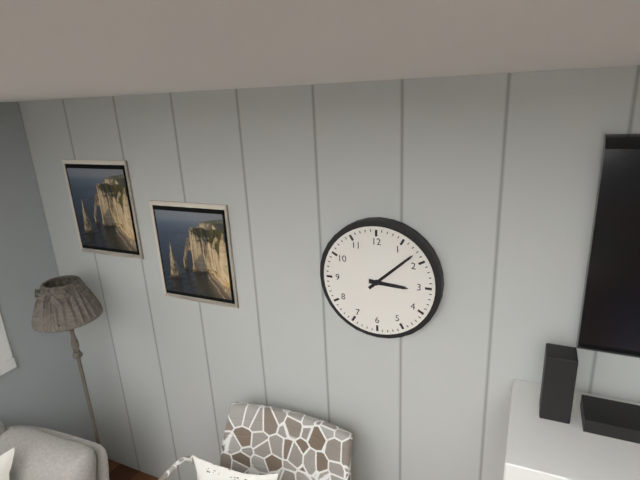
3:08
